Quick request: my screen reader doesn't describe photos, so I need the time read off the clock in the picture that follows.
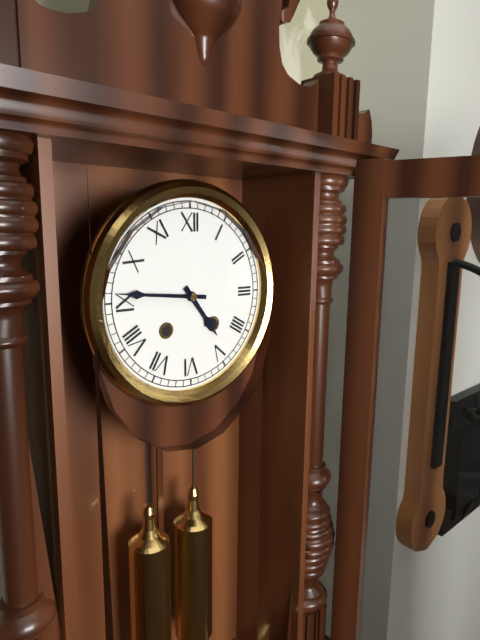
4:46
